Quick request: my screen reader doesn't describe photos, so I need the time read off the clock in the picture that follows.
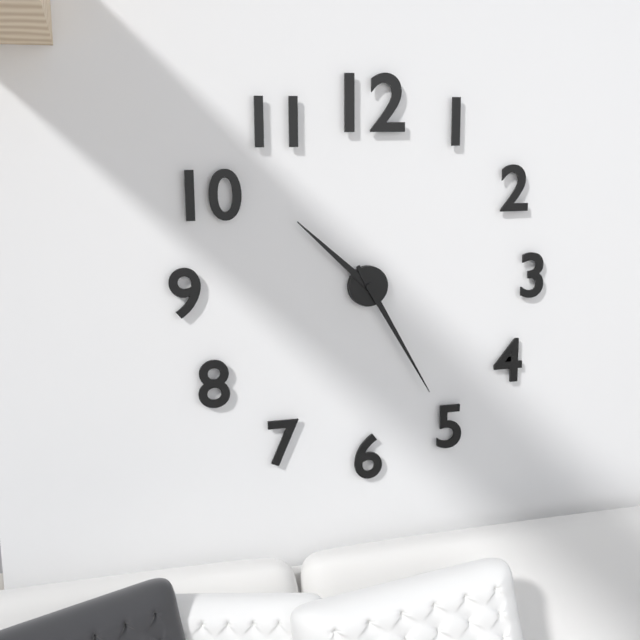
10:25
